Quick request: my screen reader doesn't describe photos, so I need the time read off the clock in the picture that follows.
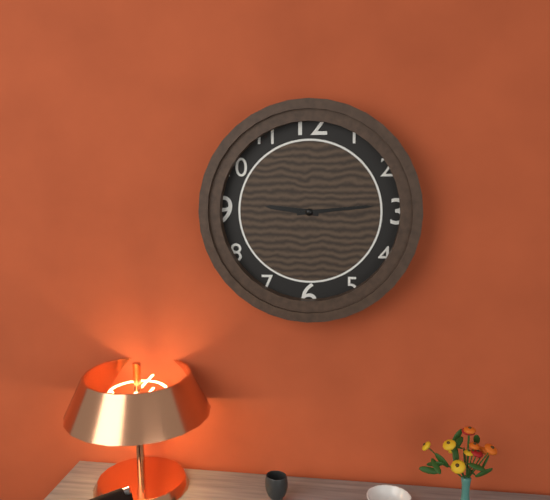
9:14
